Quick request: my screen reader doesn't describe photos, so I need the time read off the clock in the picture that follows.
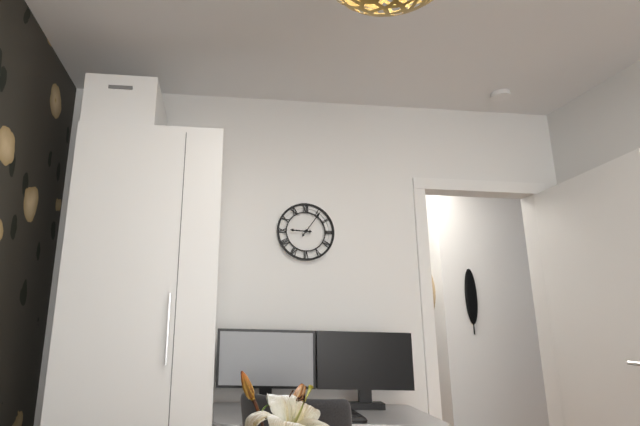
9:06
